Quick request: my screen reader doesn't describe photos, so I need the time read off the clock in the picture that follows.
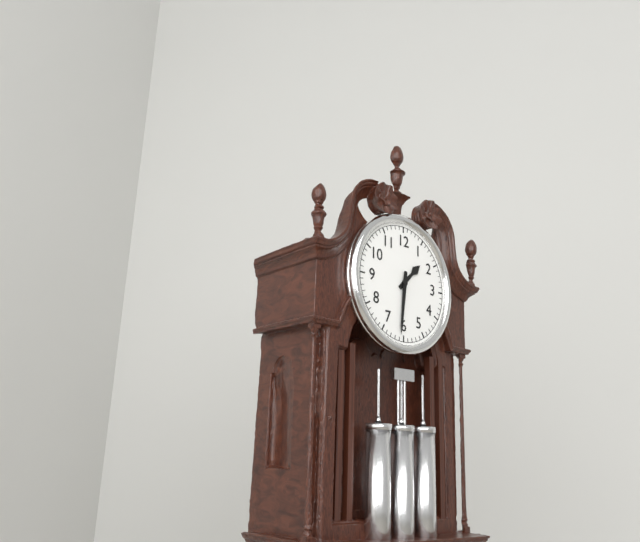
1:31
